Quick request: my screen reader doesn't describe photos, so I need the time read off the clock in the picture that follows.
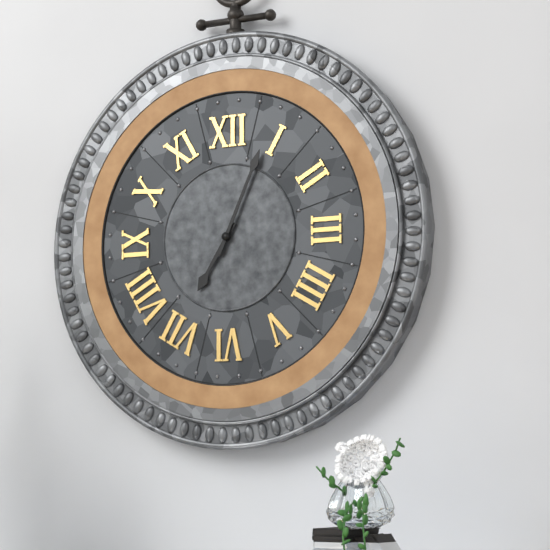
7:04
